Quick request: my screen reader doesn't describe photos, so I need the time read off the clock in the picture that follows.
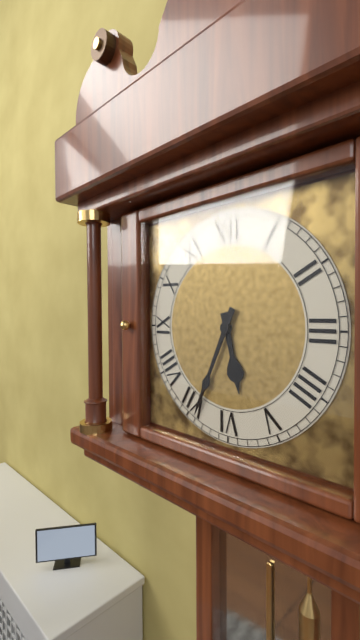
5:34
